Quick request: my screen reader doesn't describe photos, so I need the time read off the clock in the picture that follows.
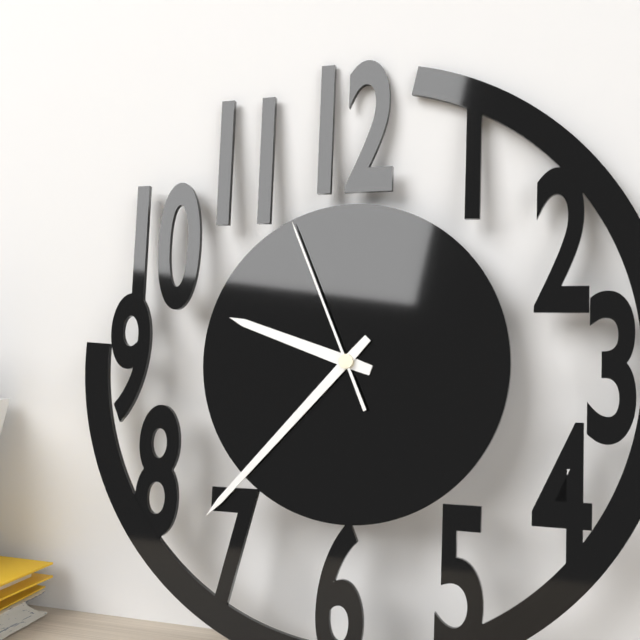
9:37:56
